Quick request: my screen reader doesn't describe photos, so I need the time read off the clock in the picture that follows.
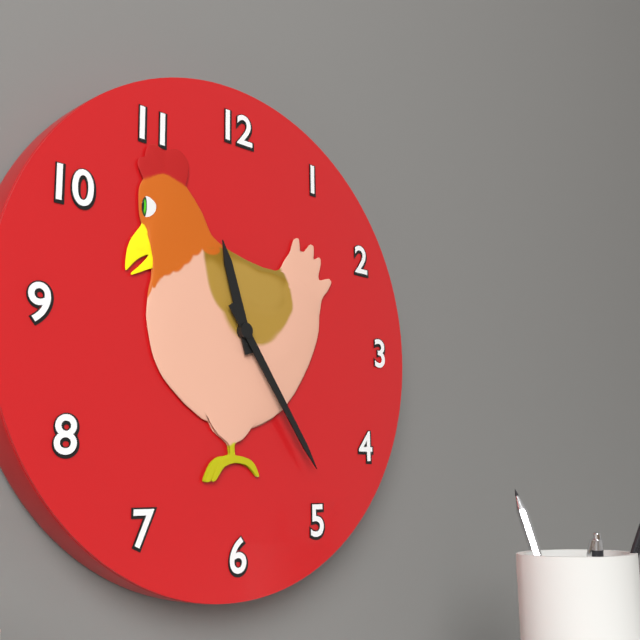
11:24
